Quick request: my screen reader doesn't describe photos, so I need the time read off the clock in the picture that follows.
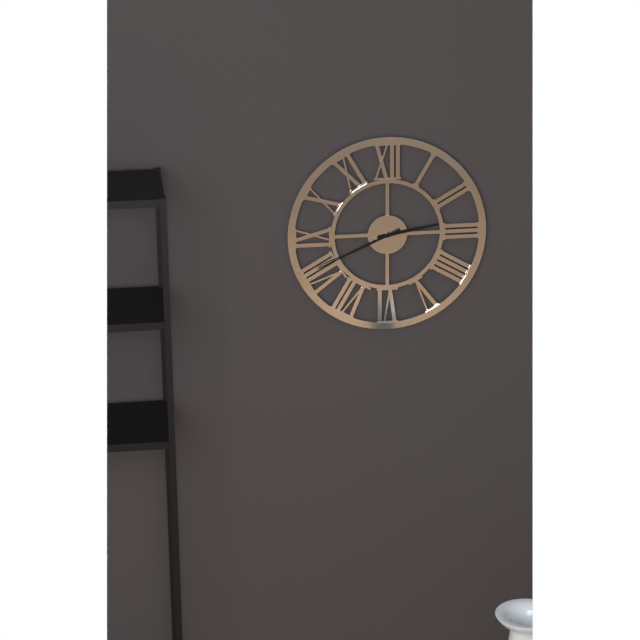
2:41
